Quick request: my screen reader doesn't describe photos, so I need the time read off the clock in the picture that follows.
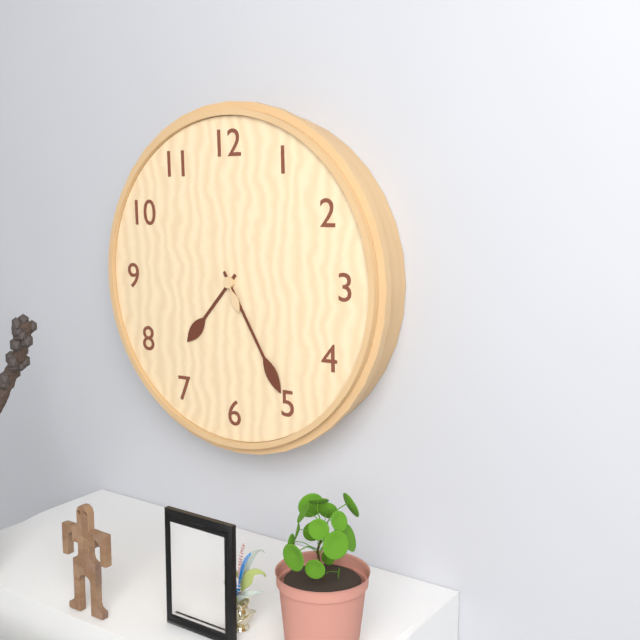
7:25:26
